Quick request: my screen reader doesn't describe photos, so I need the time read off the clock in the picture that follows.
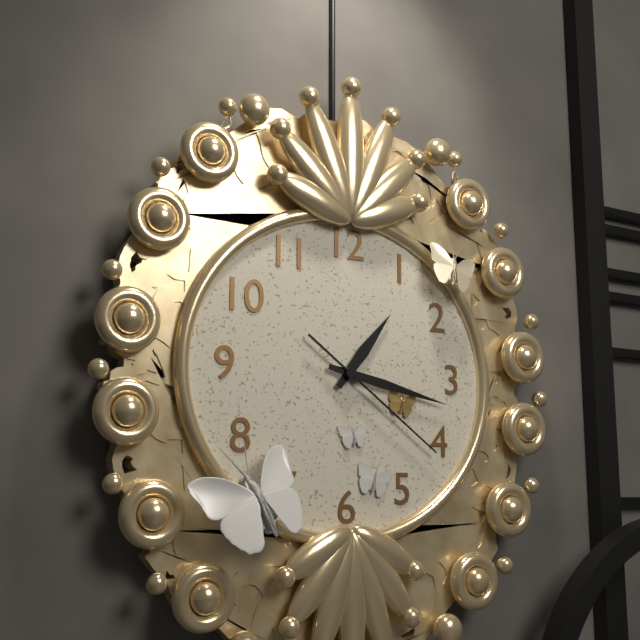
1:17:21
